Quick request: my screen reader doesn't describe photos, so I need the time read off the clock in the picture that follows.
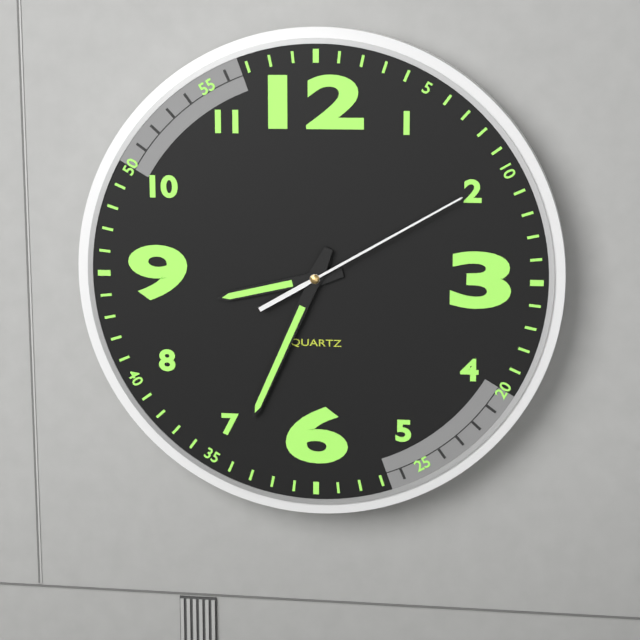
8:34:10
